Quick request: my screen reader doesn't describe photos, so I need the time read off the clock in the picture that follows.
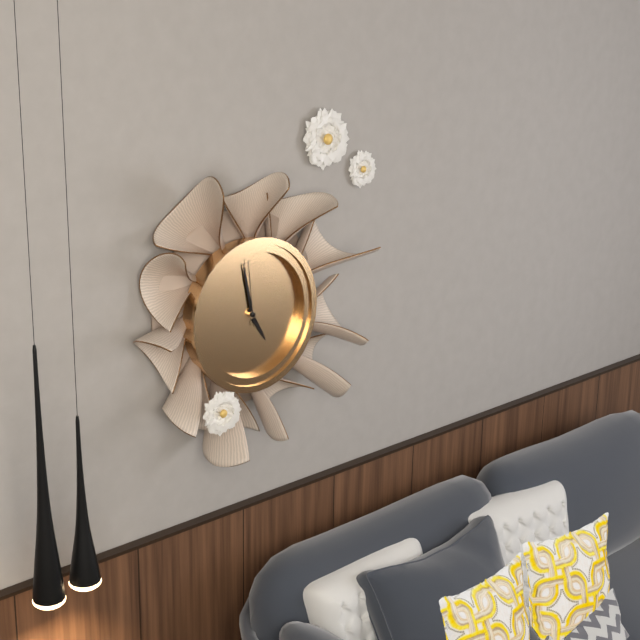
4:58:59
